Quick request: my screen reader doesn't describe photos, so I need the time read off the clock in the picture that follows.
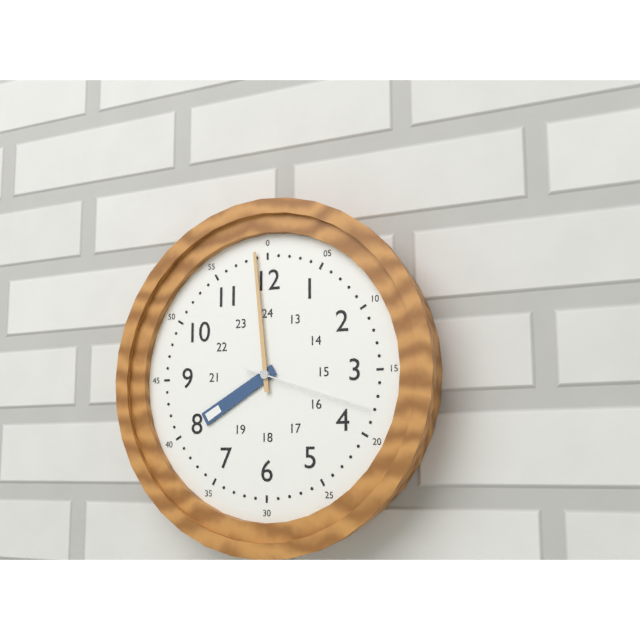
7:59:18
